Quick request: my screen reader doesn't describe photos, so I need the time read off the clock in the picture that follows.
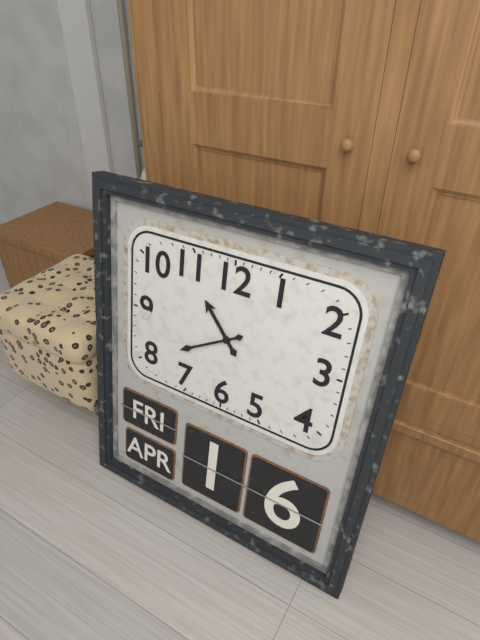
10:40
